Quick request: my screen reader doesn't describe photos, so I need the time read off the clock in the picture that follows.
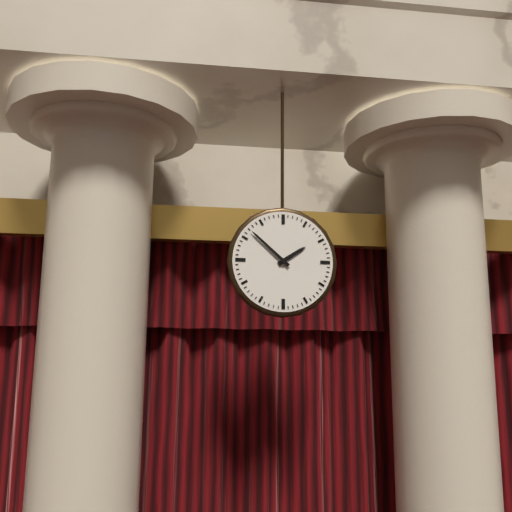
1:52
